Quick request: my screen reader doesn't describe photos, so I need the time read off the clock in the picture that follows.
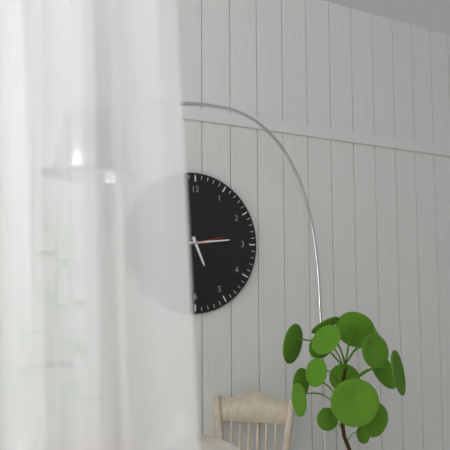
5:14
